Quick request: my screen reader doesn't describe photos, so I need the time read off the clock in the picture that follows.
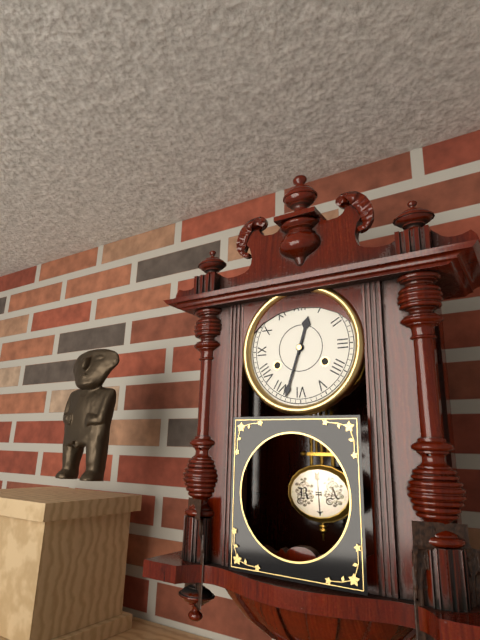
12:33
